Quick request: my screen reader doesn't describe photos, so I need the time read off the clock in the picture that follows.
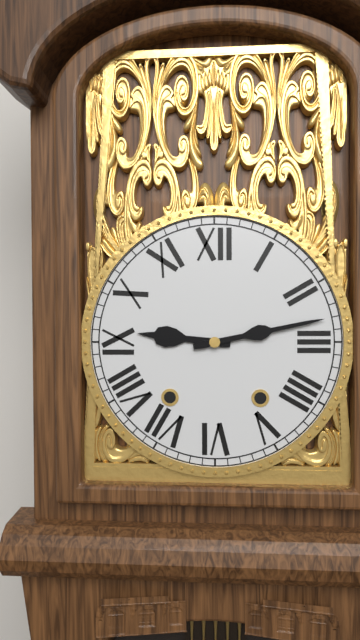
9:13
